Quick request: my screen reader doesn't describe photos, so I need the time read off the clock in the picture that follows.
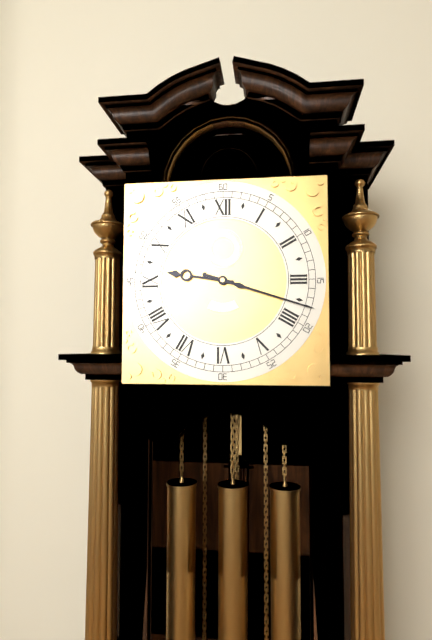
9:18
